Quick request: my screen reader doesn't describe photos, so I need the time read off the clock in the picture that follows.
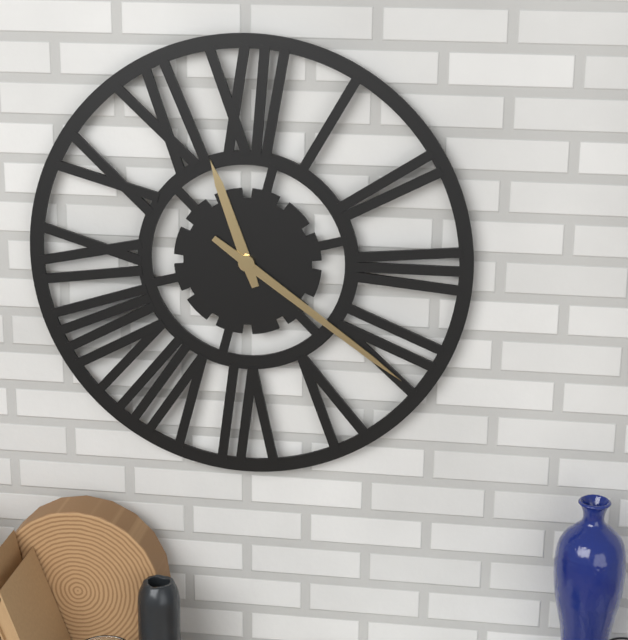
11:21
